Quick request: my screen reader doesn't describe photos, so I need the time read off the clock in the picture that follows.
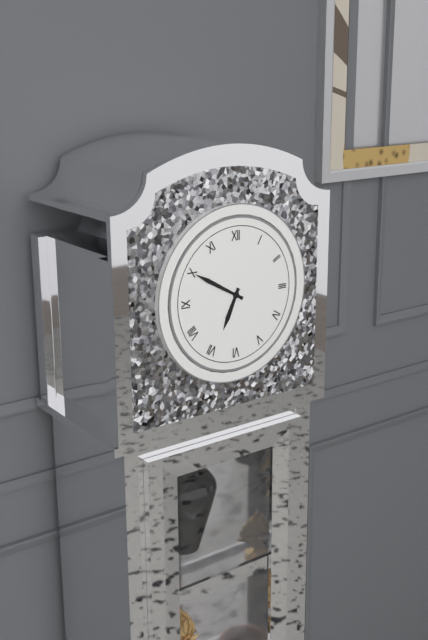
6:50
